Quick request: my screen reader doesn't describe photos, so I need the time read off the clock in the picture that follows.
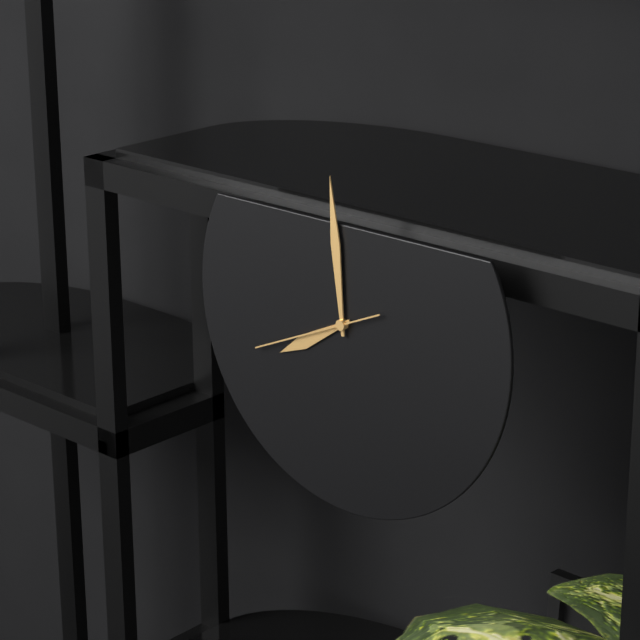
7:59:41
